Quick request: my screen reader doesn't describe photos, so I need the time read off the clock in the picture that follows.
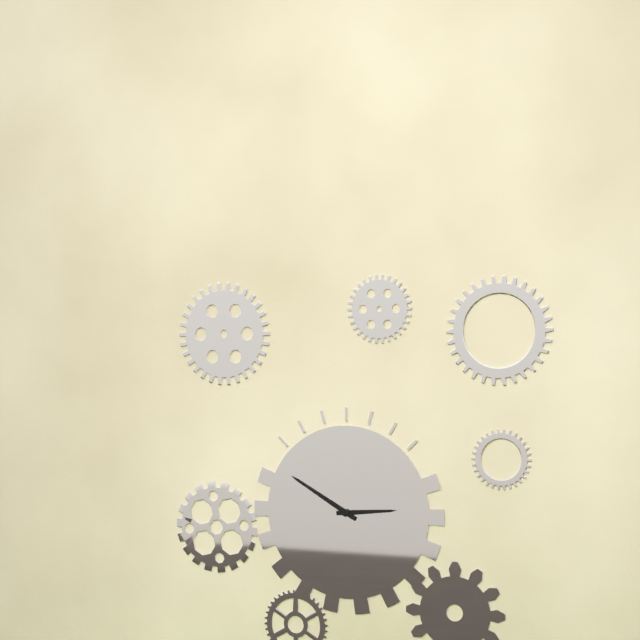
2:50
